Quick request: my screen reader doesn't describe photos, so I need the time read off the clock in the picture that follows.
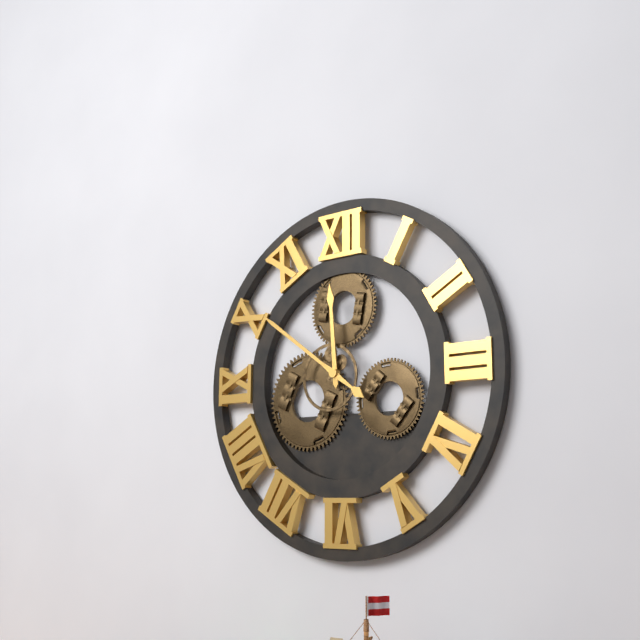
11:51
